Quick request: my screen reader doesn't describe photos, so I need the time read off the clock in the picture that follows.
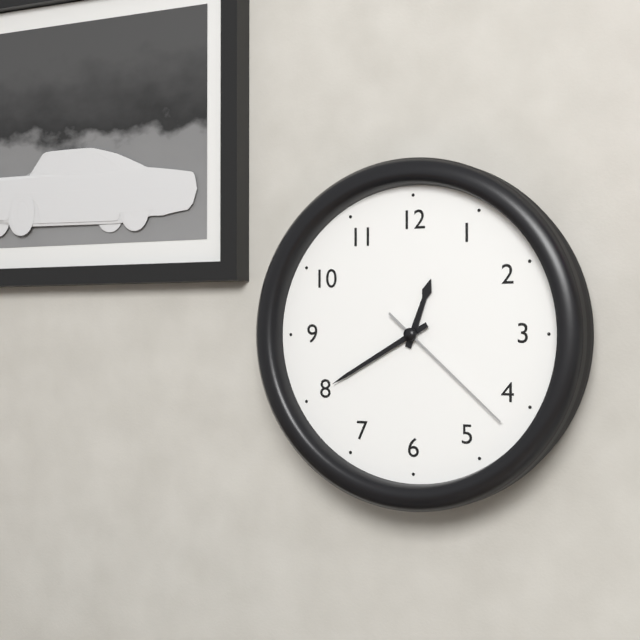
12:40:22
